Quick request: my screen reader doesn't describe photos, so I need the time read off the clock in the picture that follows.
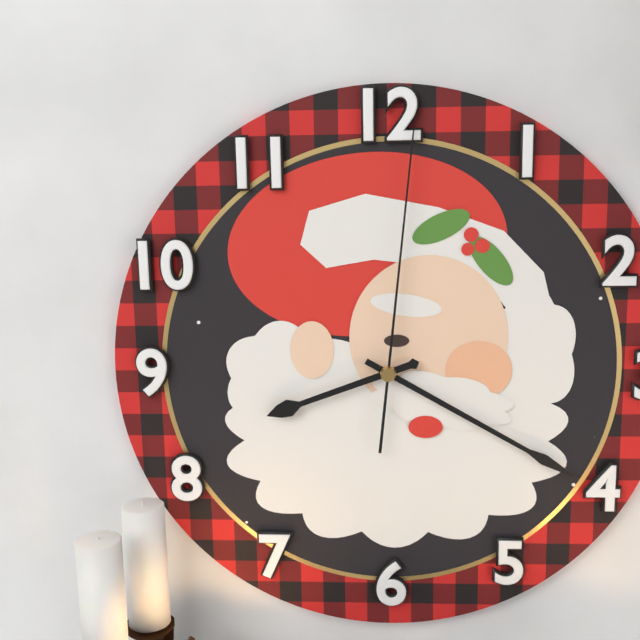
8:20:01
